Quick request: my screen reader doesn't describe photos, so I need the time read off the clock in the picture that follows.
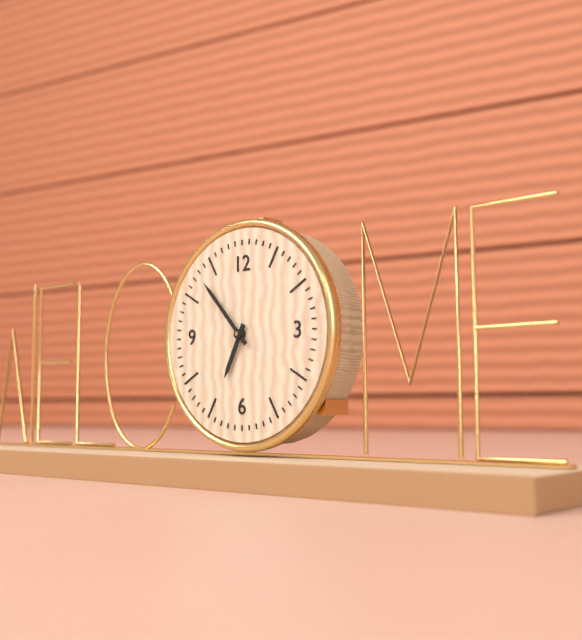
6:53
